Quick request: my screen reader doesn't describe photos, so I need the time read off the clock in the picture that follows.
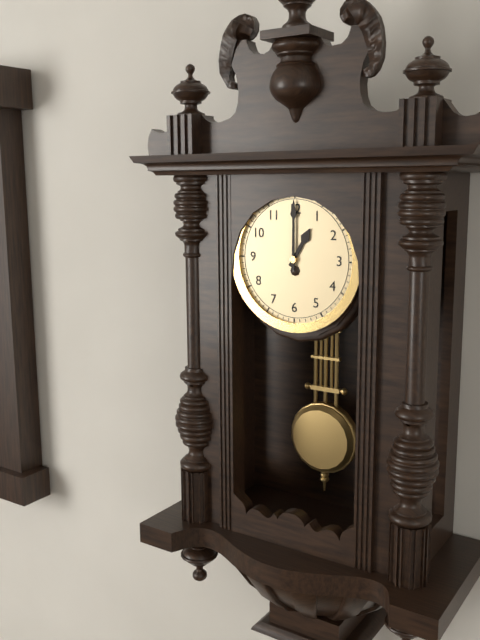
1:00
